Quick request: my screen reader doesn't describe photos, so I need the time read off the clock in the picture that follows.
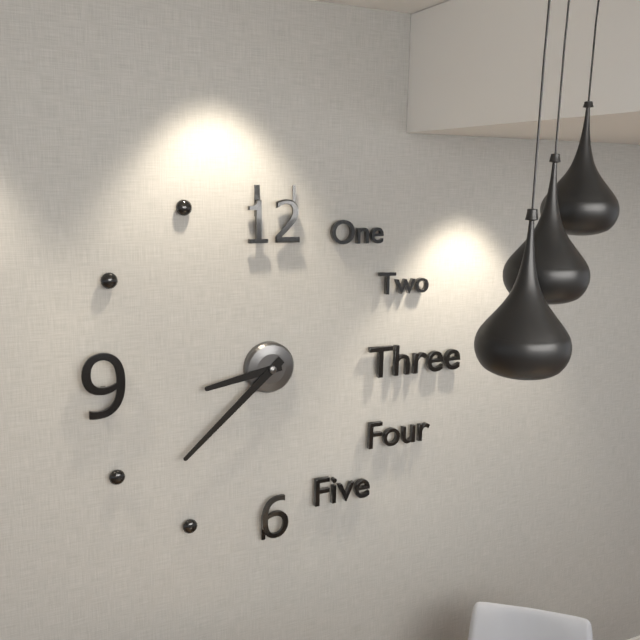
8:38
